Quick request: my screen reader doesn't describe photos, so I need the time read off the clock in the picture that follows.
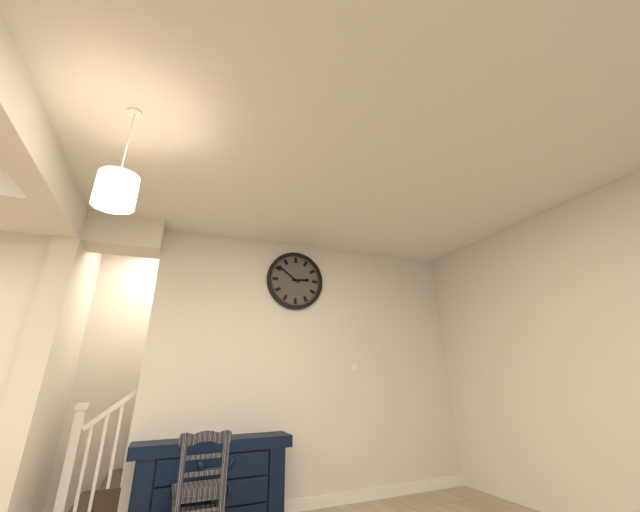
2:51
